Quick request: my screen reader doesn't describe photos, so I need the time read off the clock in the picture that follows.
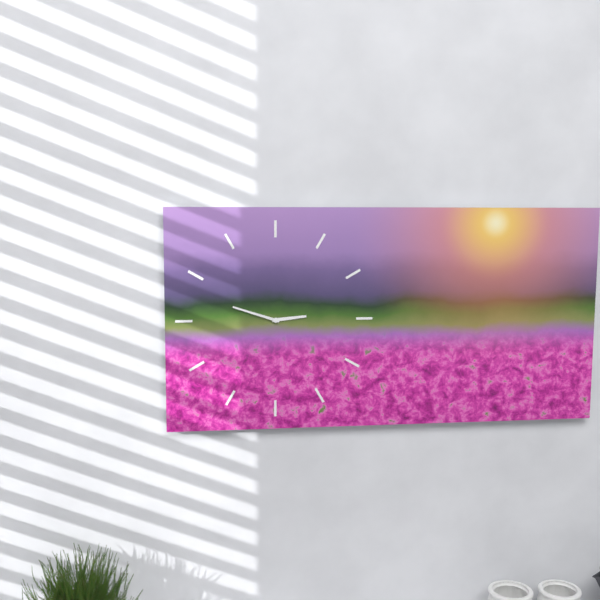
2:48
